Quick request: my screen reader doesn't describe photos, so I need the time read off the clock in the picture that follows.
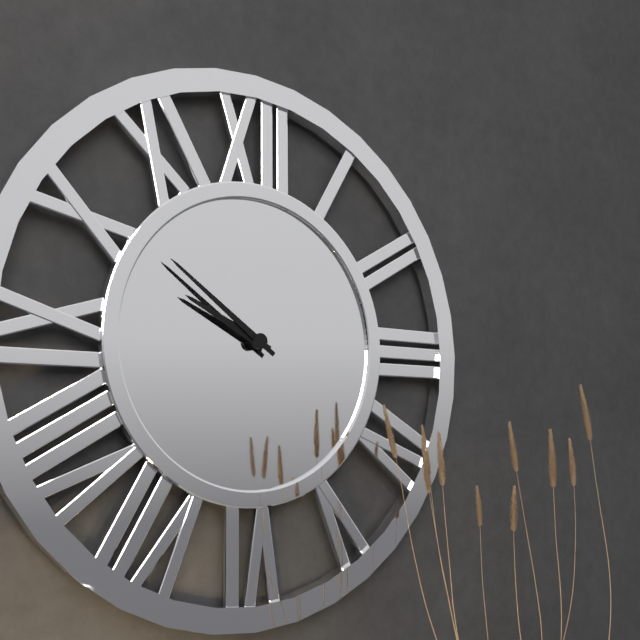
9:51
